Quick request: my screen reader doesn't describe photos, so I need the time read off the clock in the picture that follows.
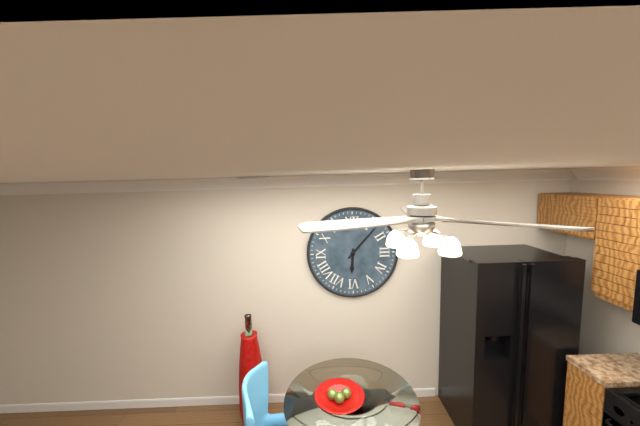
6:07
